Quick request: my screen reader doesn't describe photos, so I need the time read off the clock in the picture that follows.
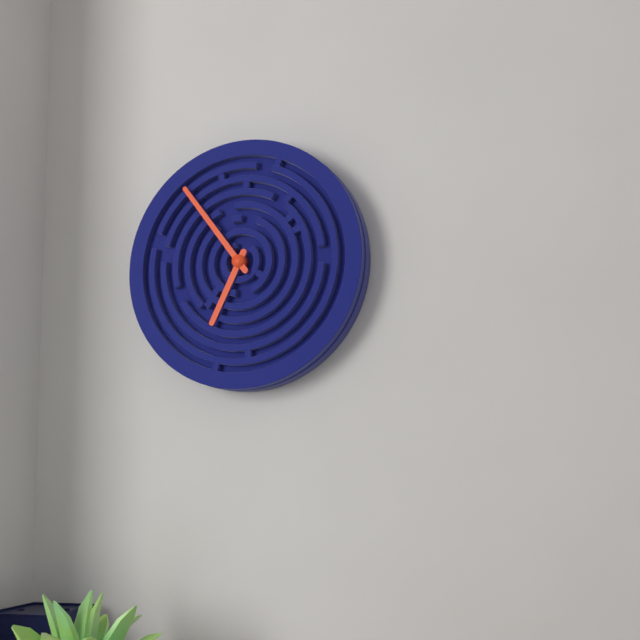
6:54
